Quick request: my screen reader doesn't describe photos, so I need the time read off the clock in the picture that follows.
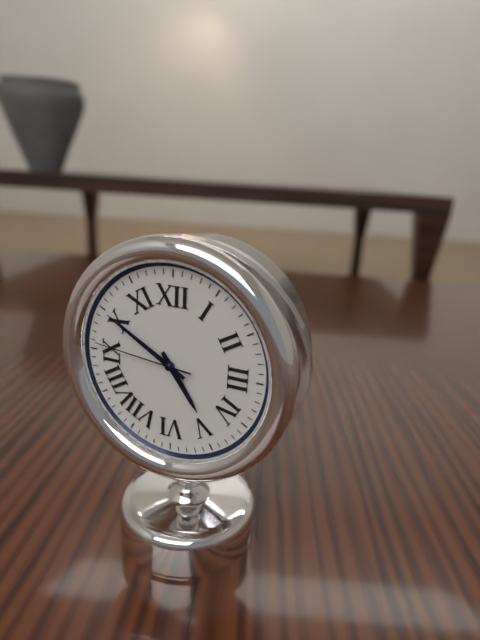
4:50:46
